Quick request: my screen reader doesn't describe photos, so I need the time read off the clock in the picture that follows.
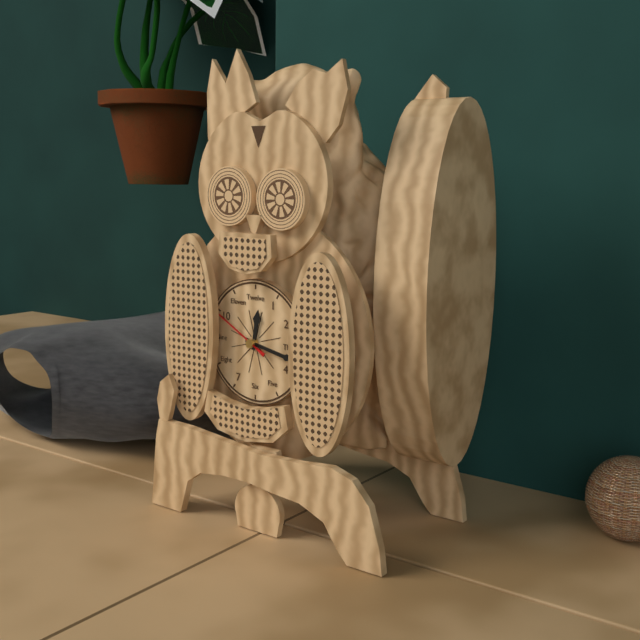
12:17:50
